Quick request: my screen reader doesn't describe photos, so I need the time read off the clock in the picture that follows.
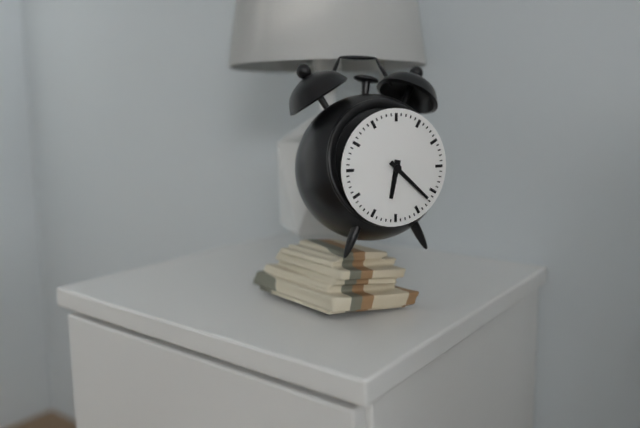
6:22
